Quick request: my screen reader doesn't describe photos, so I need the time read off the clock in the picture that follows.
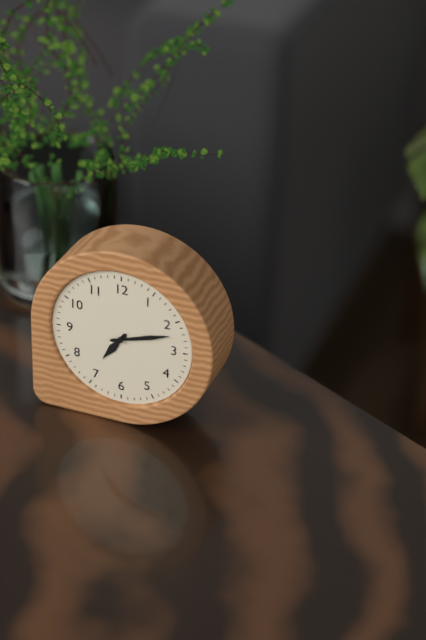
7:12
